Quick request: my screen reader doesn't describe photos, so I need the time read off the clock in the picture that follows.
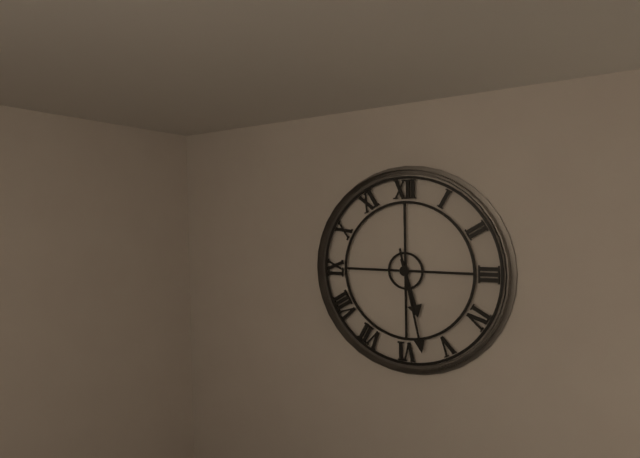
5:28
